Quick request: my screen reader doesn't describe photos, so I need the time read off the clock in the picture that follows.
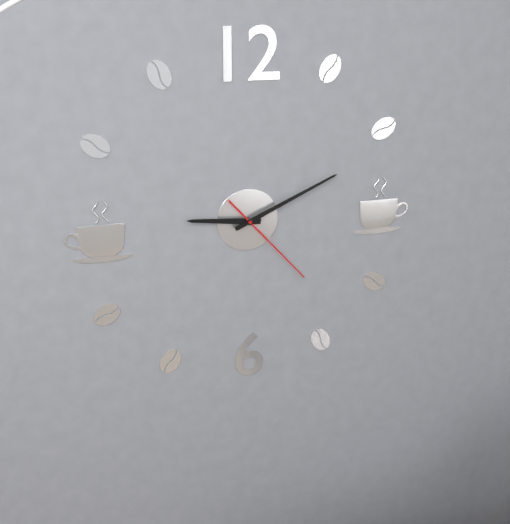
9:11:23
